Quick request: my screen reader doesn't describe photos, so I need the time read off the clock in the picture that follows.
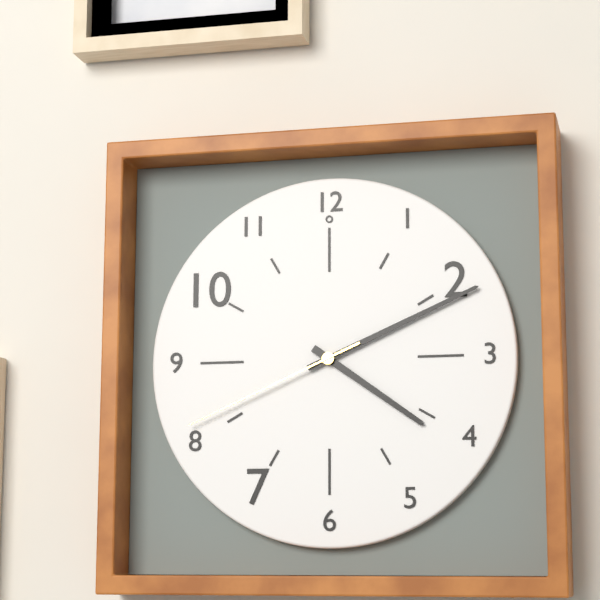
4:11:41
